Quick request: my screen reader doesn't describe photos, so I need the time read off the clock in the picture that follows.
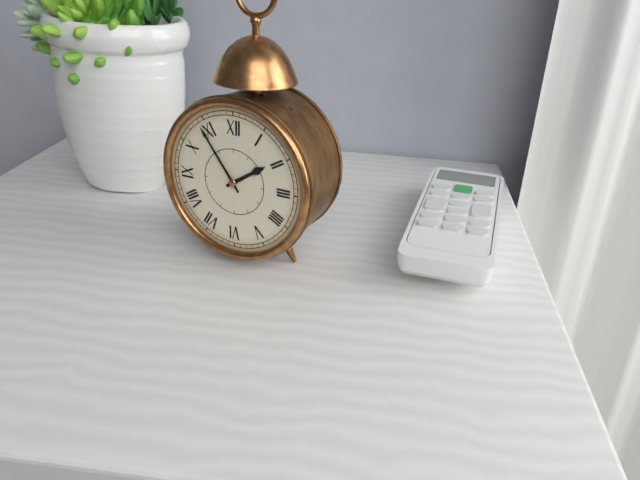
1:54
